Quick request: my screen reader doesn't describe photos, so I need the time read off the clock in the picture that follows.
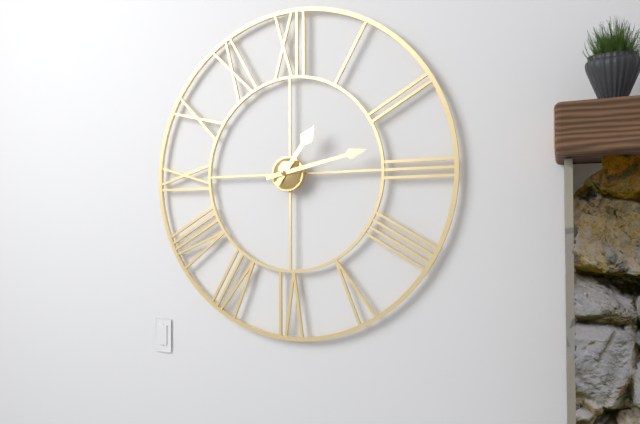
1:13
